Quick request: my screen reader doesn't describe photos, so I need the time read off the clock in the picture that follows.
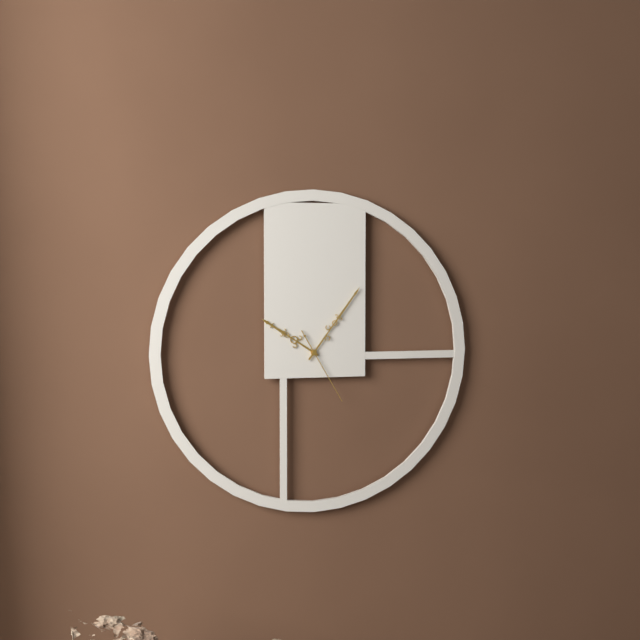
10:06:25
